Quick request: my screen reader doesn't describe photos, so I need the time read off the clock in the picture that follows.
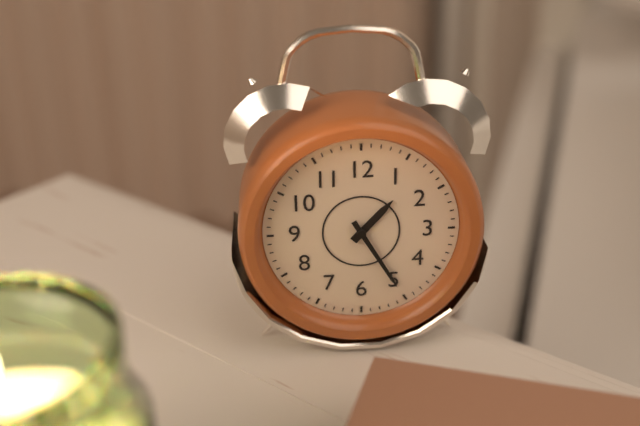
1:25
